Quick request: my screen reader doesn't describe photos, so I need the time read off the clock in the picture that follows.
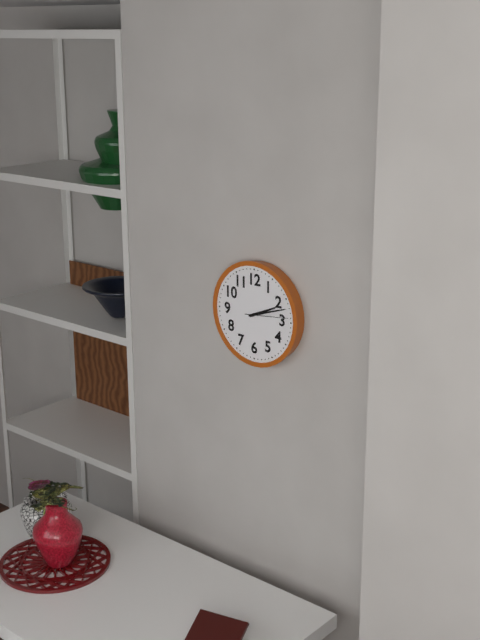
2:12
